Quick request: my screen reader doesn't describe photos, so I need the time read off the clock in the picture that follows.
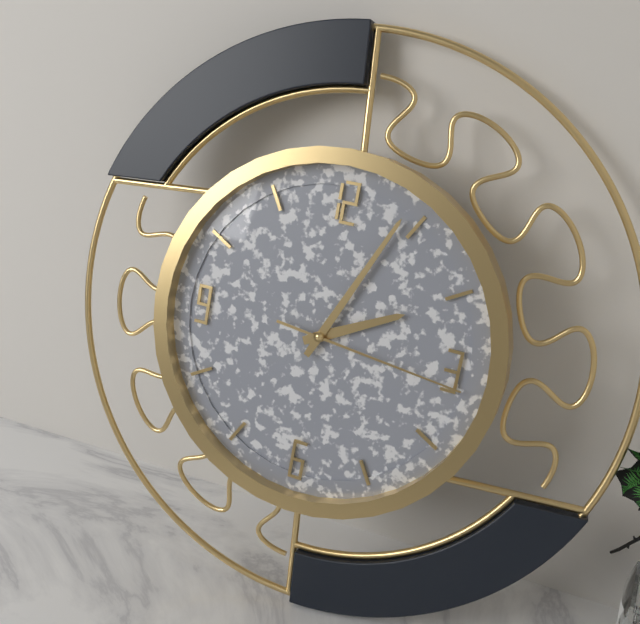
2:04:16
